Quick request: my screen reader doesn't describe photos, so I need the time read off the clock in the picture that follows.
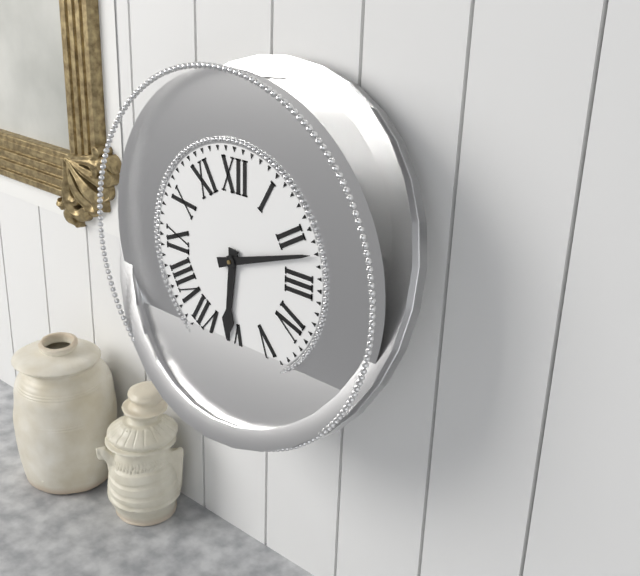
6:12
